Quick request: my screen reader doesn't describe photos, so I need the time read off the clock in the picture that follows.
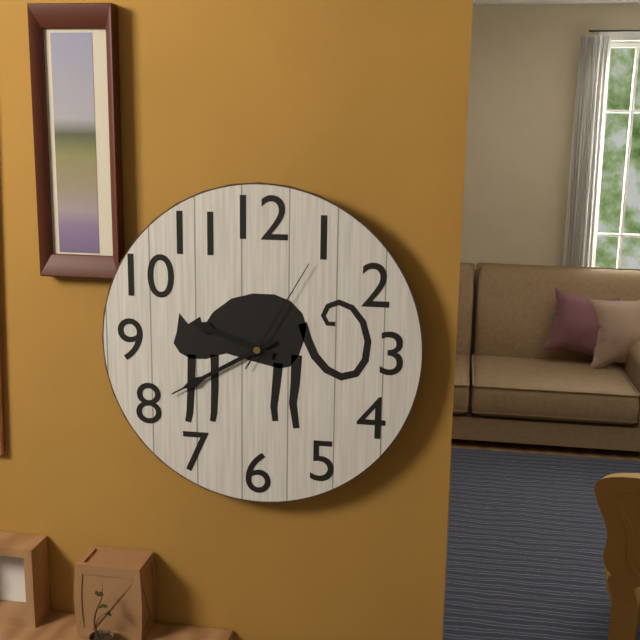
9:40:05
